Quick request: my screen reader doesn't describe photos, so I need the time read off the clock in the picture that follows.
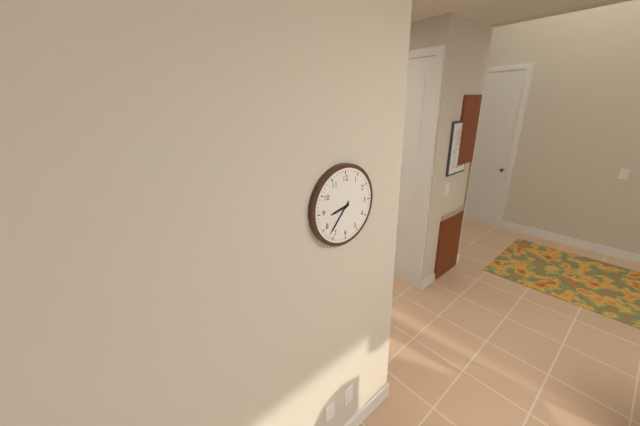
8:37
